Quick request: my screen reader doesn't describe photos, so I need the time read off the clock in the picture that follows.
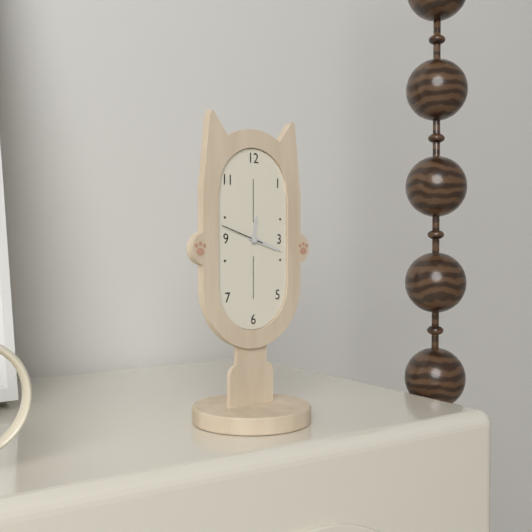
12:18
